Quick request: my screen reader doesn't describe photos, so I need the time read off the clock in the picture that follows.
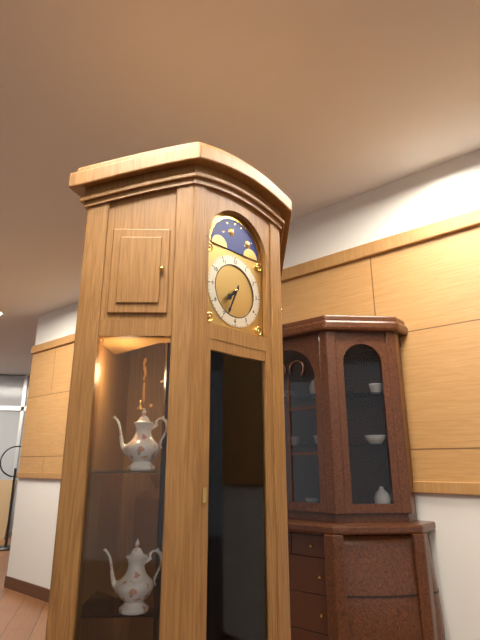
7:34
